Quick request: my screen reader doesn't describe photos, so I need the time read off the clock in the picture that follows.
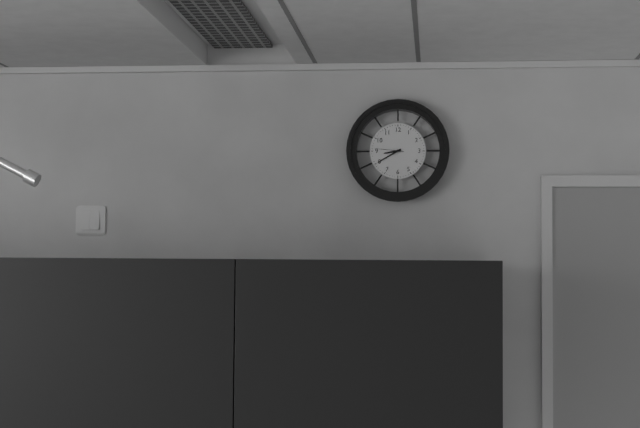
8:40
